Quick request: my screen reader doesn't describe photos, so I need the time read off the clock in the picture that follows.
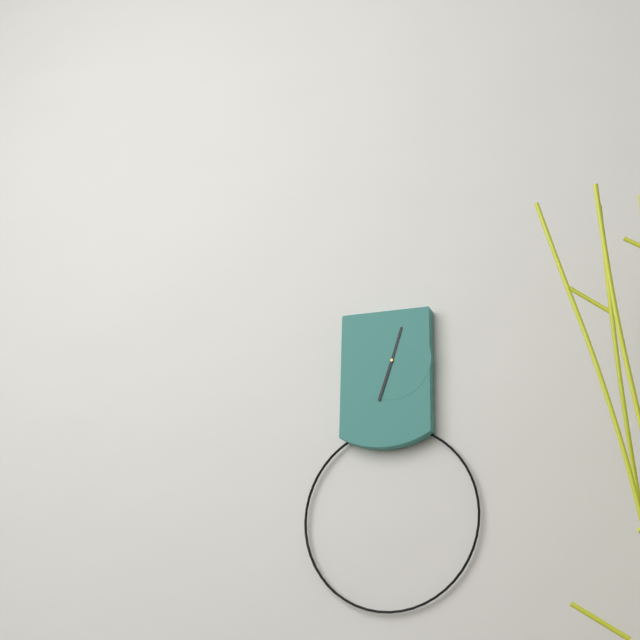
12:33
